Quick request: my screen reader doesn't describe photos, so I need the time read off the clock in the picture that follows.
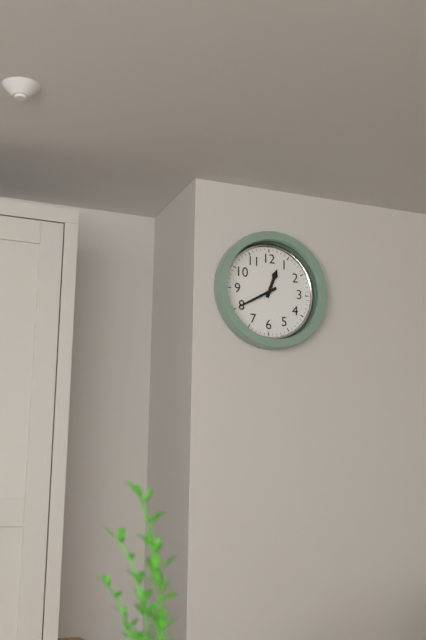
12:40
